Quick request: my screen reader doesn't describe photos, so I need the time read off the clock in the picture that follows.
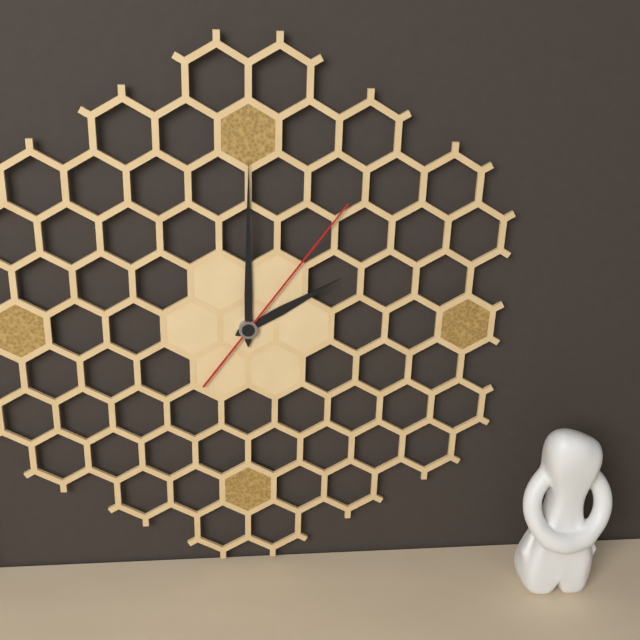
2:00:06
